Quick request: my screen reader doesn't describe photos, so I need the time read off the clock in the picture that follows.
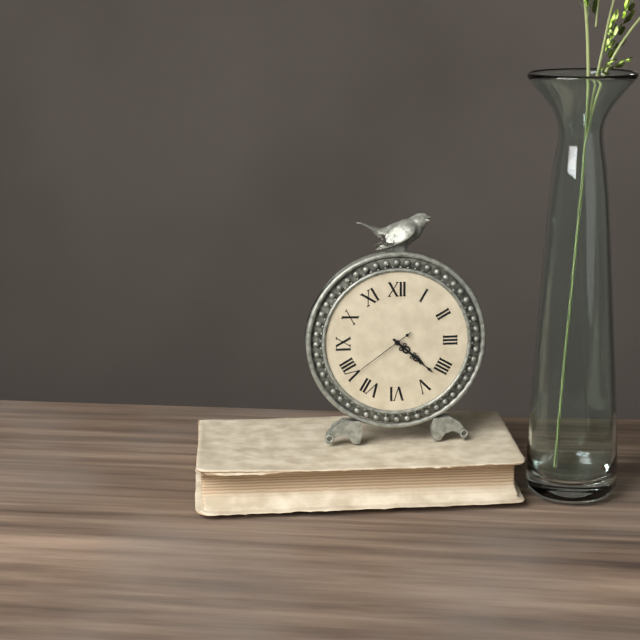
4:22:39
